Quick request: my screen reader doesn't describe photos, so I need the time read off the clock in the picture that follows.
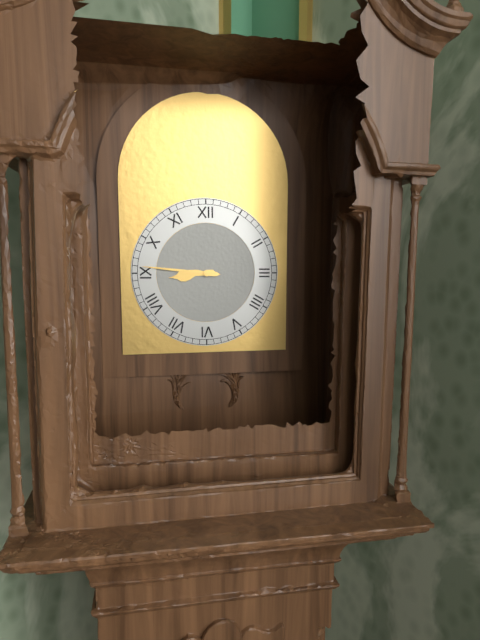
8:46
